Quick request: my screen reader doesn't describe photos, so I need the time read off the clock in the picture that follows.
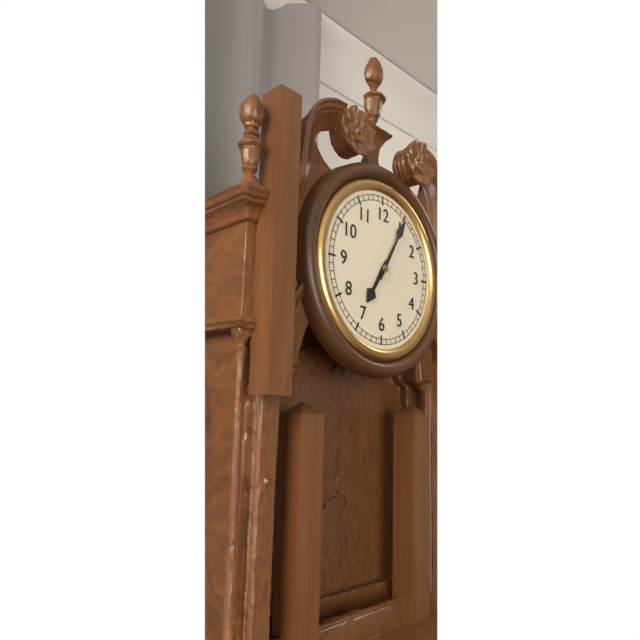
7:05
